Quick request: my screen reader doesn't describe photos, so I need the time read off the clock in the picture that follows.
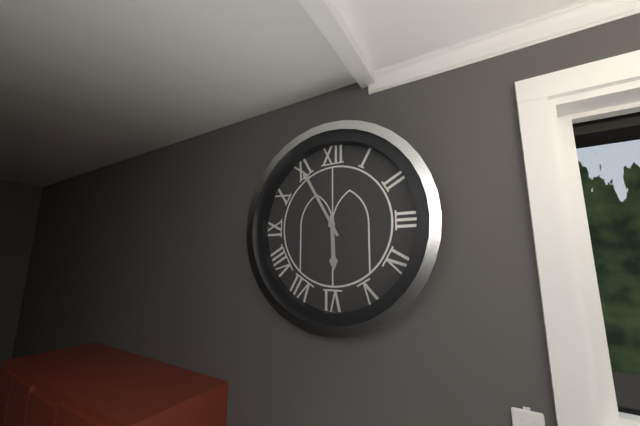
5:55
